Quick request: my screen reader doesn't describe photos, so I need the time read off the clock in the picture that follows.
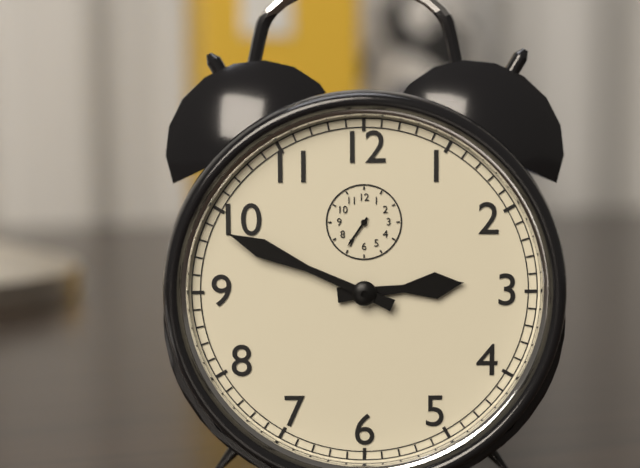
2:49
